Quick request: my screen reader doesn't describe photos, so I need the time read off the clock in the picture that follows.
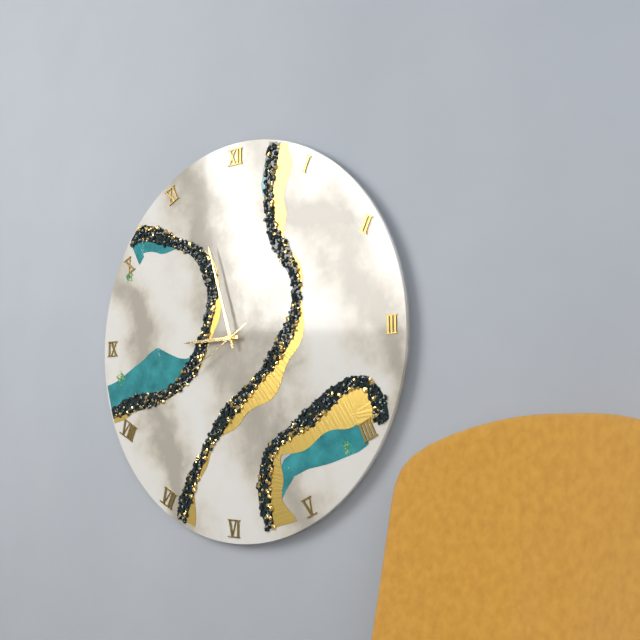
8:57:40
